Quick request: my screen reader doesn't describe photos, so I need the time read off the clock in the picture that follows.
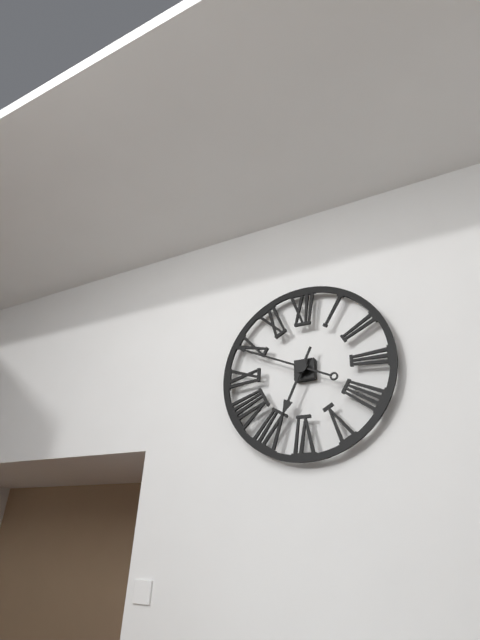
6:49
